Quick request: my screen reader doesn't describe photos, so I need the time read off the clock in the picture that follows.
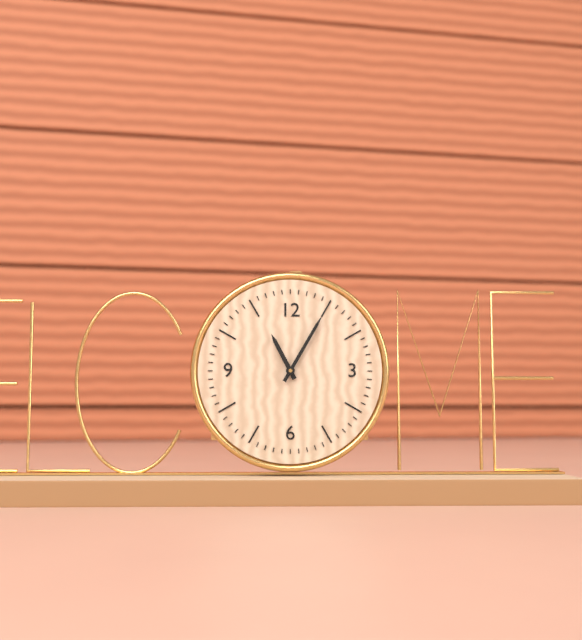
11:05
